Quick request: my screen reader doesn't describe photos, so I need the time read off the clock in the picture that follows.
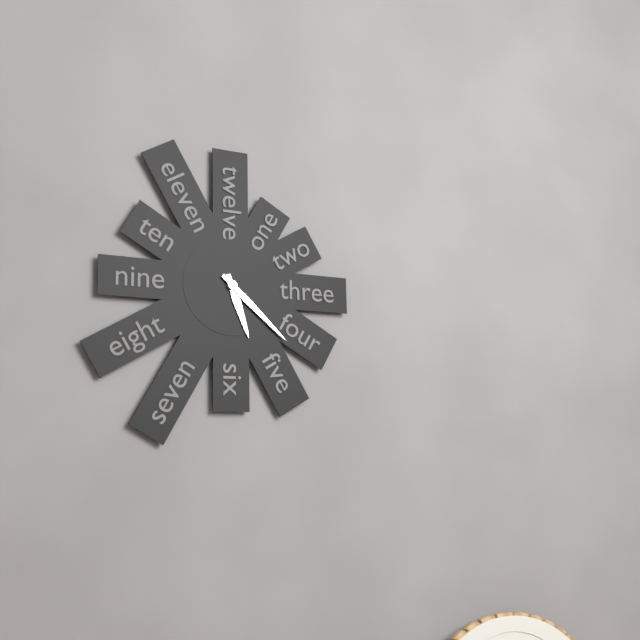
5:22
